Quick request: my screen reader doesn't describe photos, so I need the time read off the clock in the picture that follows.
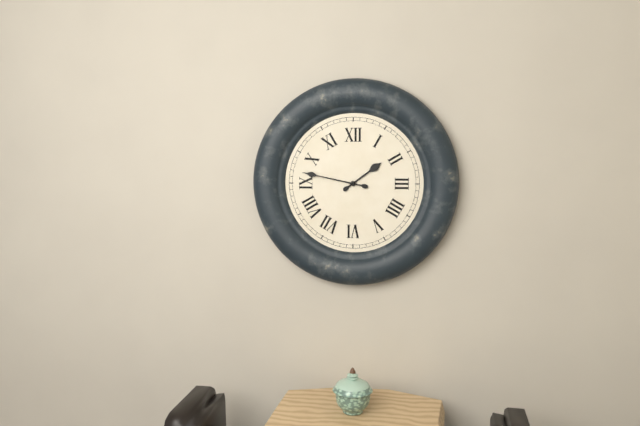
1:47
